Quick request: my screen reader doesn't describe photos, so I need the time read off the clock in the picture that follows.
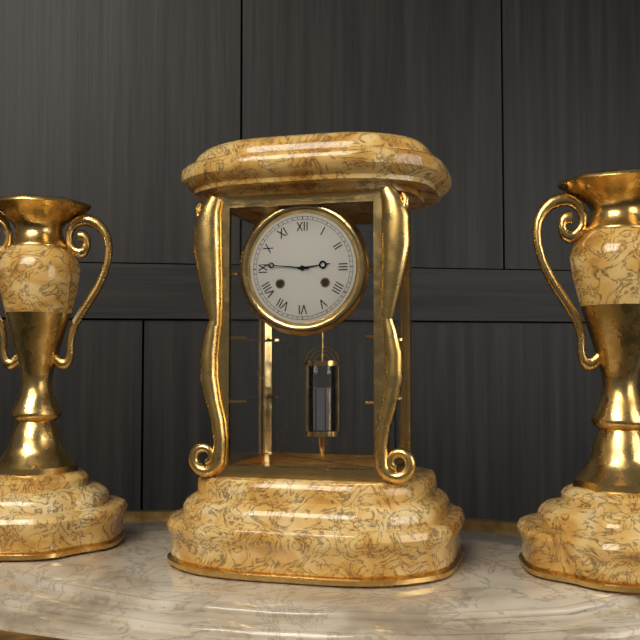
2:46
